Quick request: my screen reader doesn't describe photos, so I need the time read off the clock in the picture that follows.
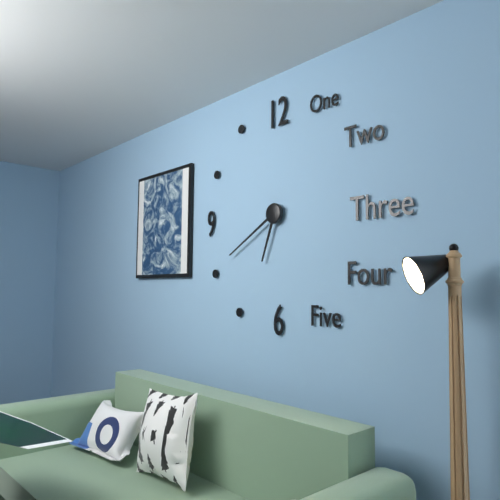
6:40
